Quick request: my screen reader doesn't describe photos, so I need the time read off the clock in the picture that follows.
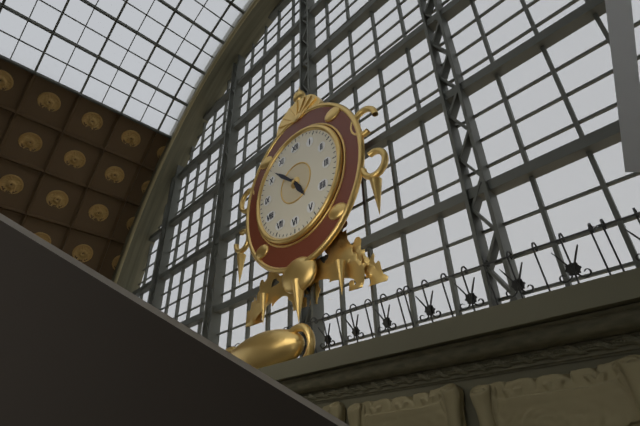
4:52
